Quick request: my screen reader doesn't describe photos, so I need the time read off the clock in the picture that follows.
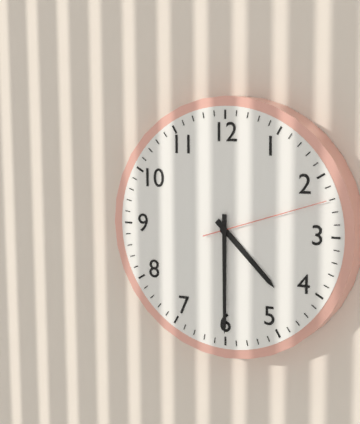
4:30:12
